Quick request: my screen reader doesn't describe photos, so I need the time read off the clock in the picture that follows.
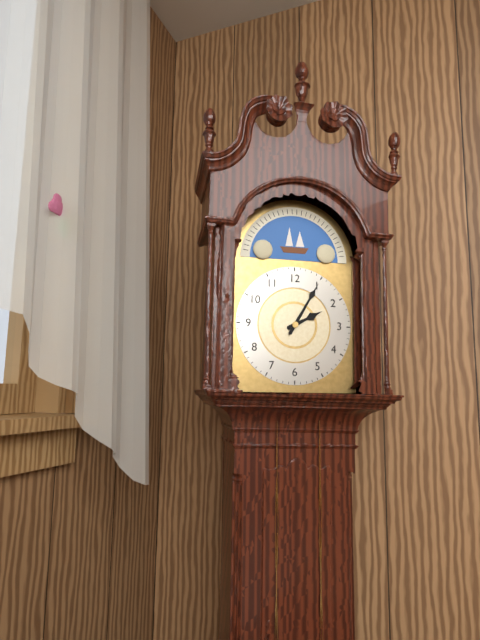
2:05
